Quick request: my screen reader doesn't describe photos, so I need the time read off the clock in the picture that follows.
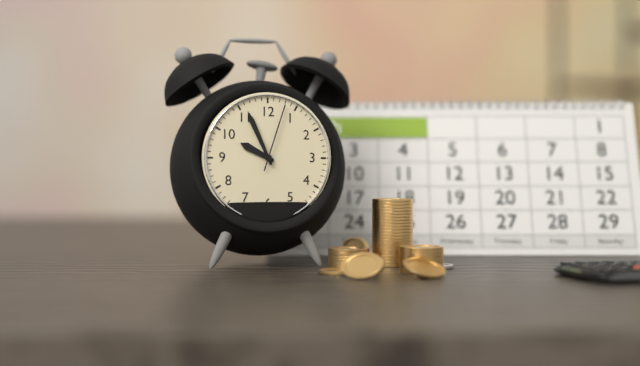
9:56:03
